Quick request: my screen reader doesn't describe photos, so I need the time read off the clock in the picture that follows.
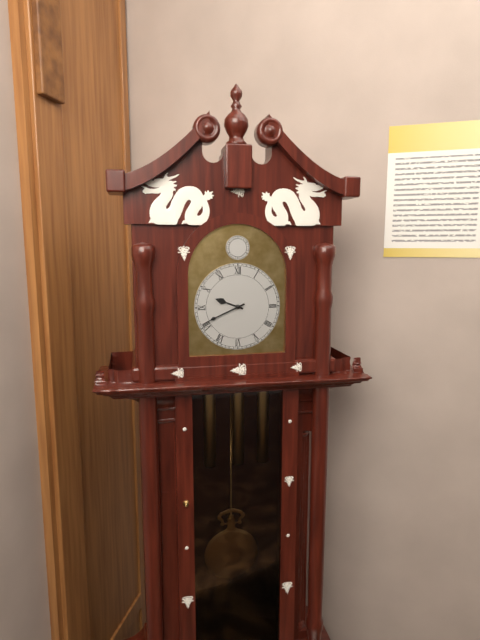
9:41
